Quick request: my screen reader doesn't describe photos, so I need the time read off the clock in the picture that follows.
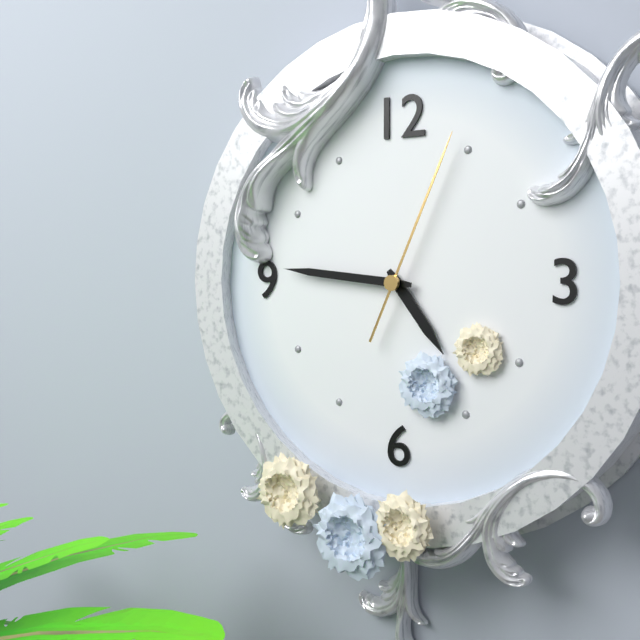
4:46:04
